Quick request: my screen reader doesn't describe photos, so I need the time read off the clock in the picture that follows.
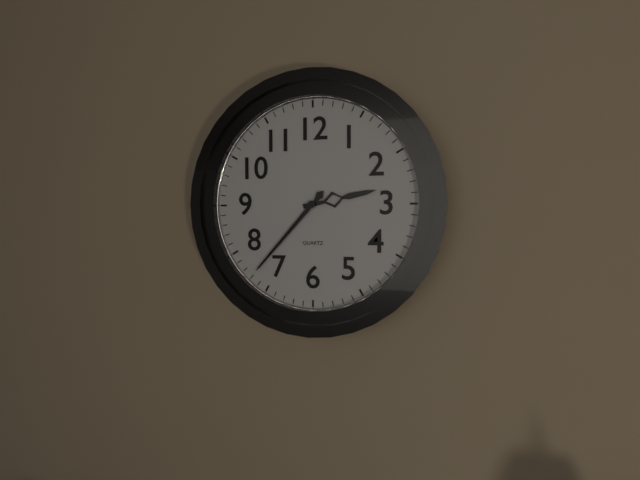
2:37
